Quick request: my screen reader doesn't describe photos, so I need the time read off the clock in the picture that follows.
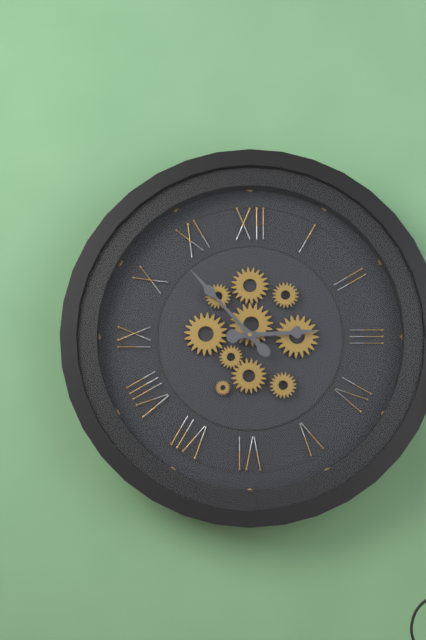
2:53
